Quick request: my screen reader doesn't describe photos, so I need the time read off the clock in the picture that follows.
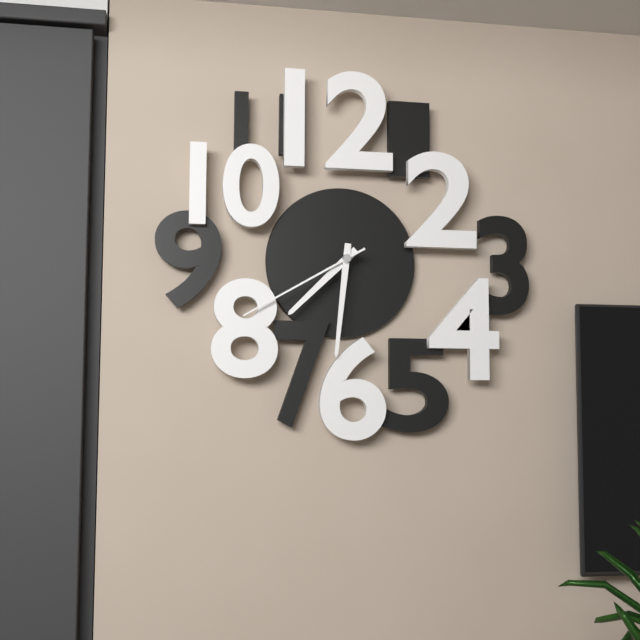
7:31:40
